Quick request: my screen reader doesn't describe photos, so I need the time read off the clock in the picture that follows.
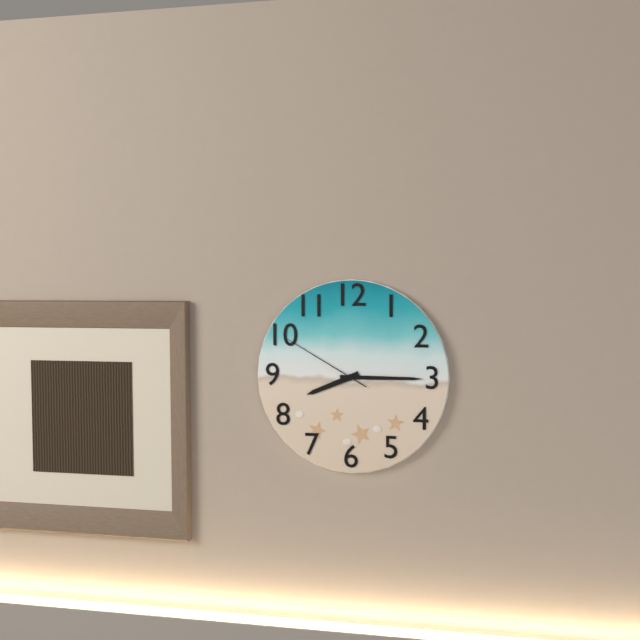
8:15:50
